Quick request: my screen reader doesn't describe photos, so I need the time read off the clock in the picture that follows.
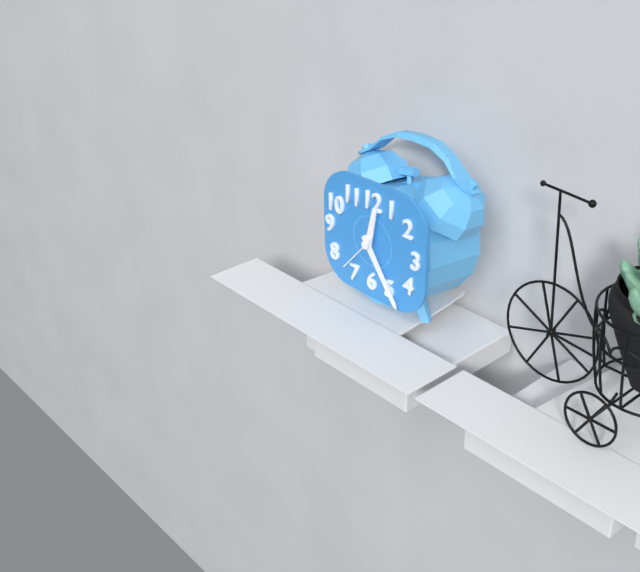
12:24
